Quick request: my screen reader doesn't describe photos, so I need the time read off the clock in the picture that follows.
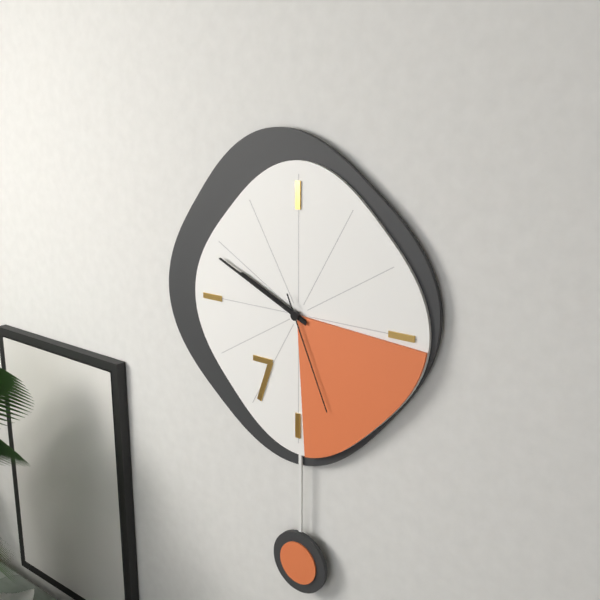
9:49:26
